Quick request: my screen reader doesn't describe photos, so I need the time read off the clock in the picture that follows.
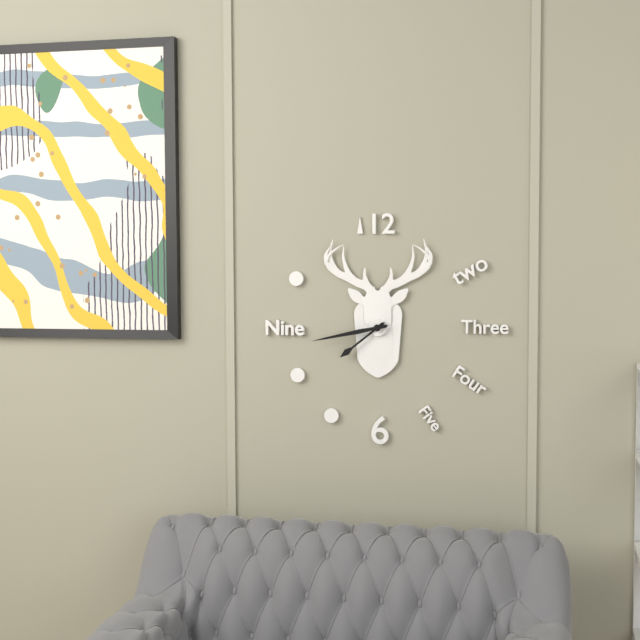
7:43
